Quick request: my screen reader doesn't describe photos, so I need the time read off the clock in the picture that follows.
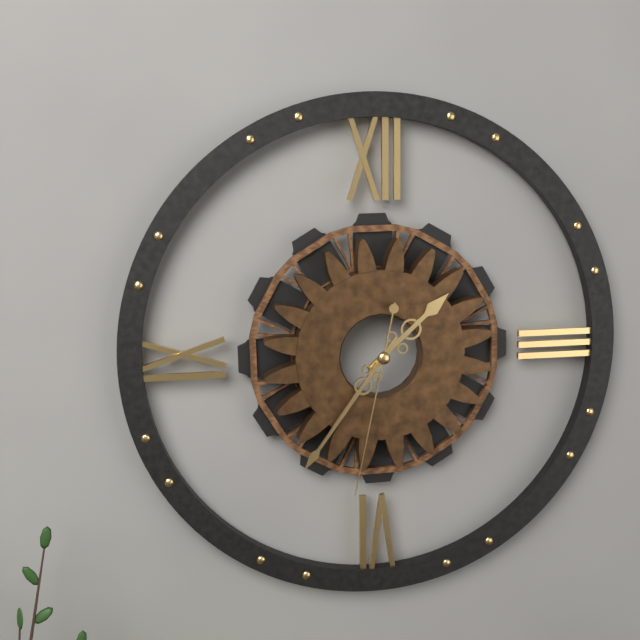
1:36:32
